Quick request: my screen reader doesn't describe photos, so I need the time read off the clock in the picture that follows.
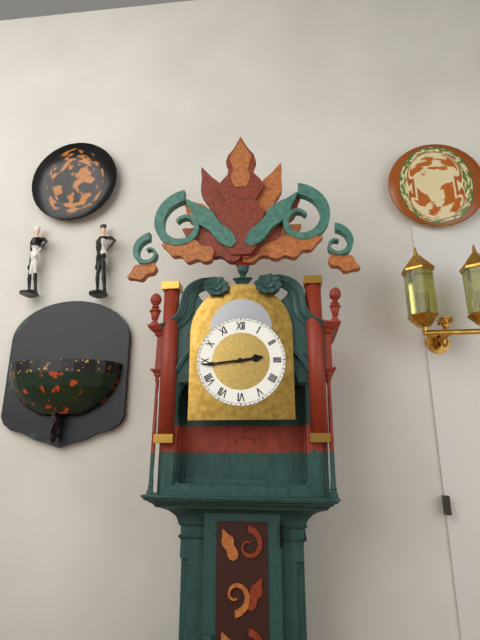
2:44
